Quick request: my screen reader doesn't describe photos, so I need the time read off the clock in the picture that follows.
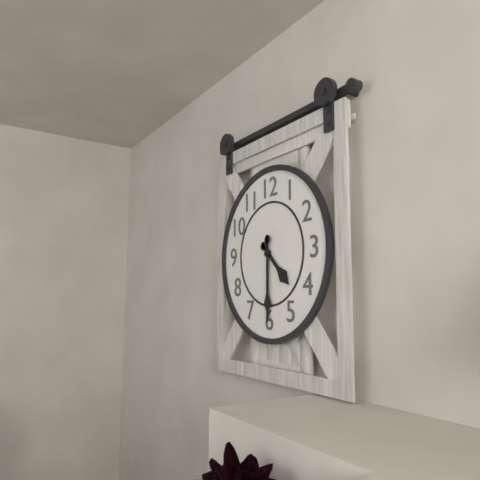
4:30
